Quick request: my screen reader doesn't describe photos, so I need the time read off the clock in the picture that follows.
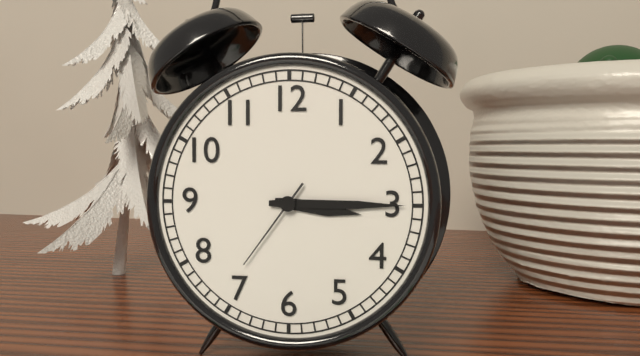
3:15:36
